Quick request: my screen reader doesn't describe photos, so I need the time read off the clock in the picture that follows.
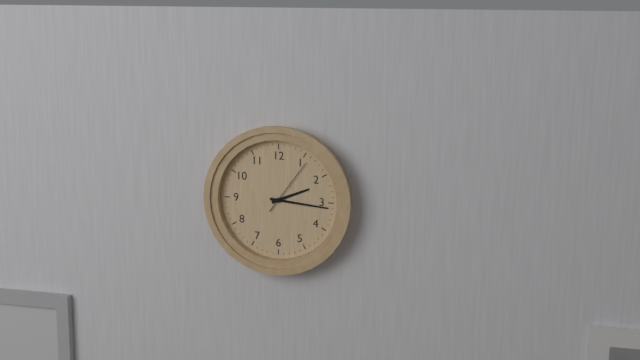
2:16:06
